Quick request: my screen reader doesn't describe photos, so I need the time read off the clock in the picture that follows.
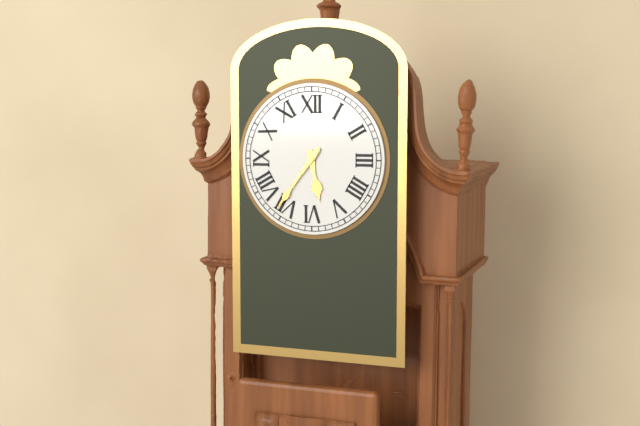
5:36
